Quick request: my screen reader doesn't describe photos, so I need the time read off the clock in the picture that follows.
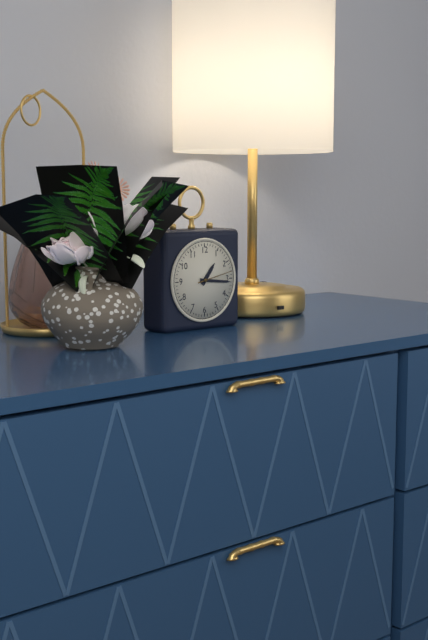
1:16
